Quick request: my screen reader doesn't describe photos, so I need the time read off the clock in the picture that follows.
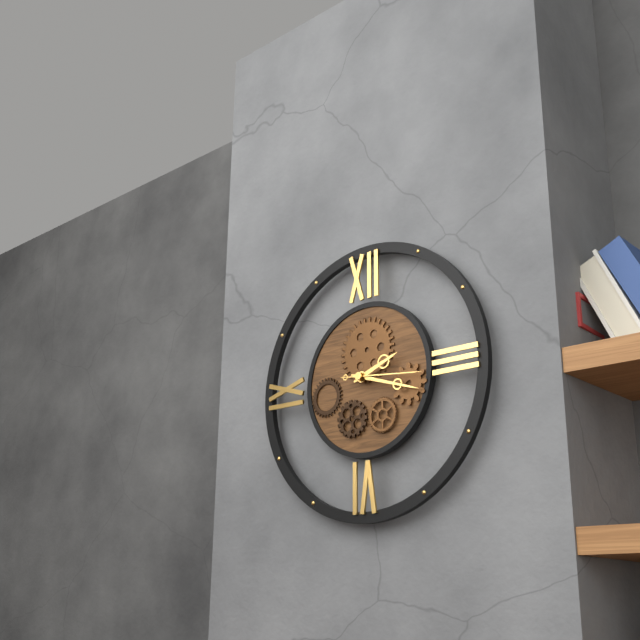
2:18:16
